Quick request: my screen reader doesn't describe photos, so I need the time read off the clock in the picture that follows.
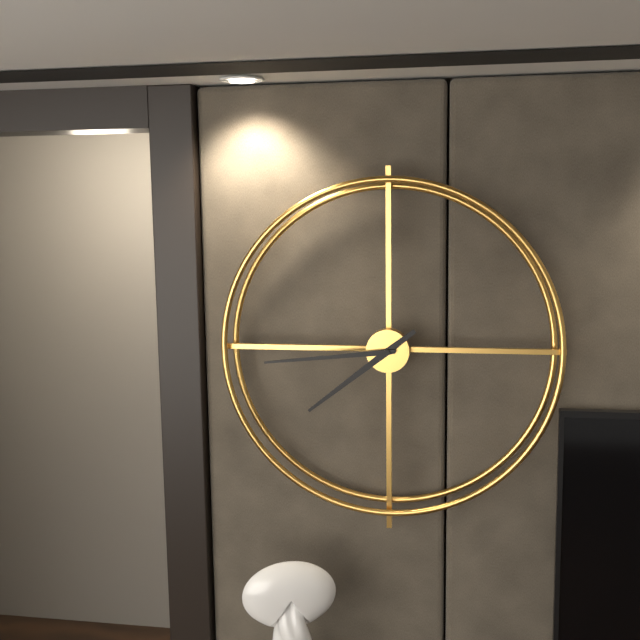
7:44
